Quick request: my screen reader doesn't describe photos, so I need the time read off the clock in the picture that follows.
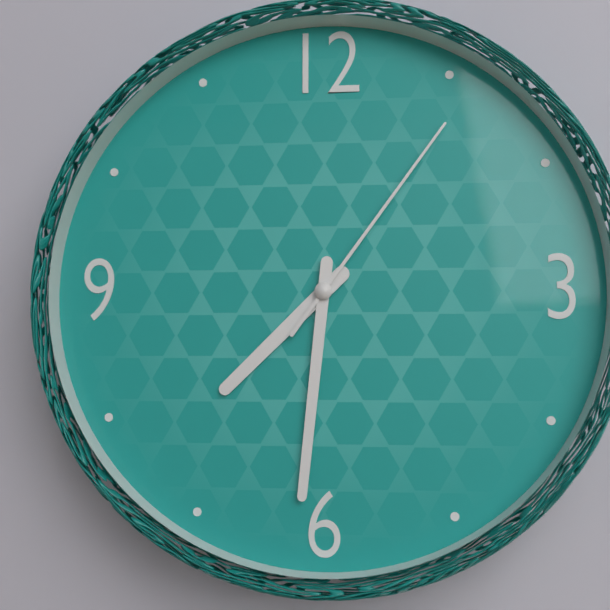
7:31:06
